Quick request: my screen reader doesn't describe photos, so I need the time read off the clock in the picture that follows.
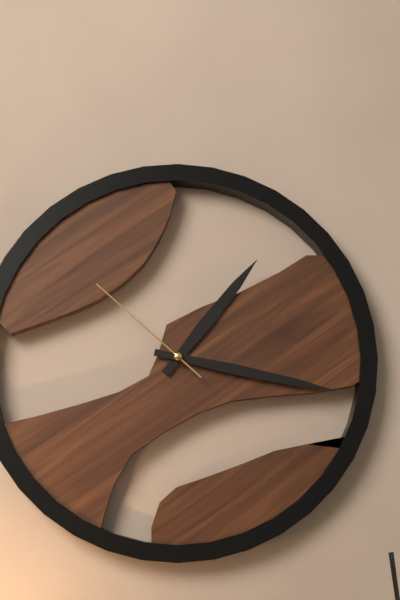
1:17:52
